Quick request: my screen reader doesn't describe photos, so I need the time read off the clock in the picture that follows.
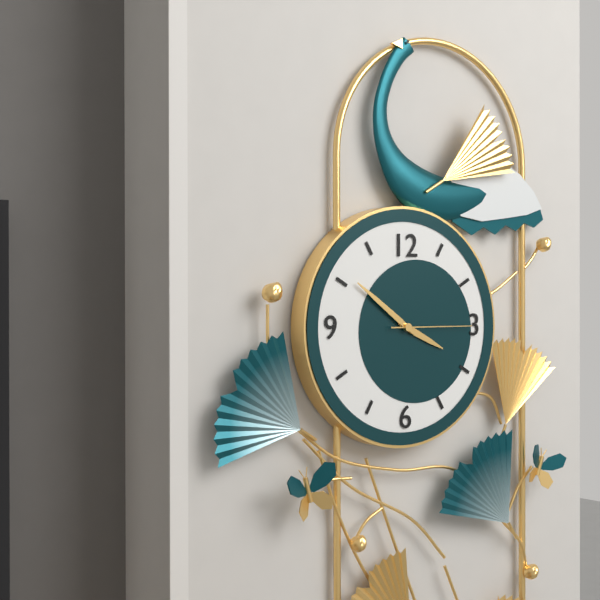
3:51:15
